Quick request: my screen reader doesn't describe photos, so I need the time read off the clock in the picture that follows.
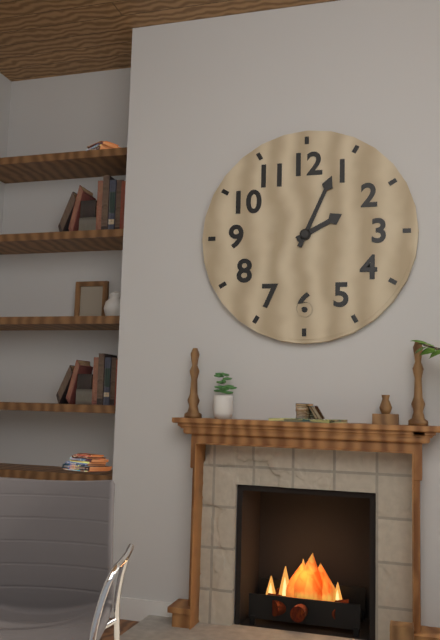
2:04
